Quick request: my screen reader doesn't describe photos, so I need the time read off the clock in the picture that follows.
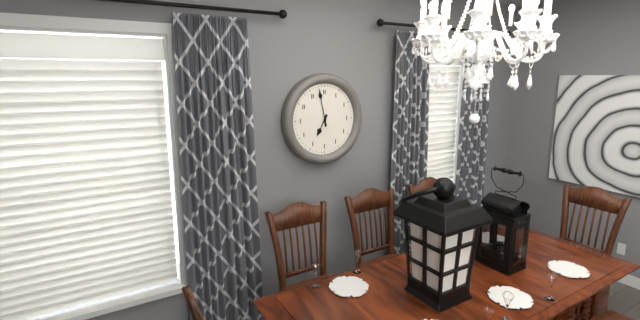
6:58
